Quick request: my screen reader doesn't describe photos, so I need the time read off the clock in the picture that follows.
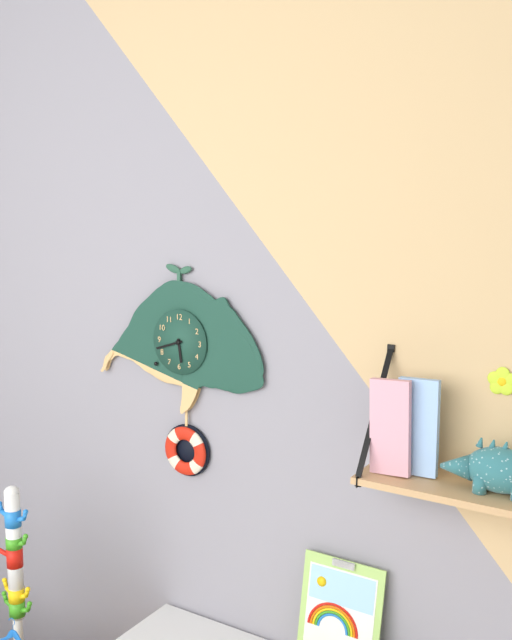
5:42
